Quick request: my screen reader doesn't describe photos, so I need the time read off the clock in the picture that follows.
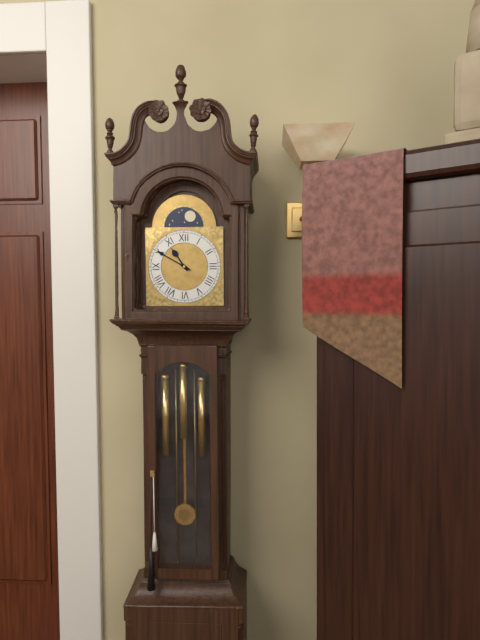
10:50
